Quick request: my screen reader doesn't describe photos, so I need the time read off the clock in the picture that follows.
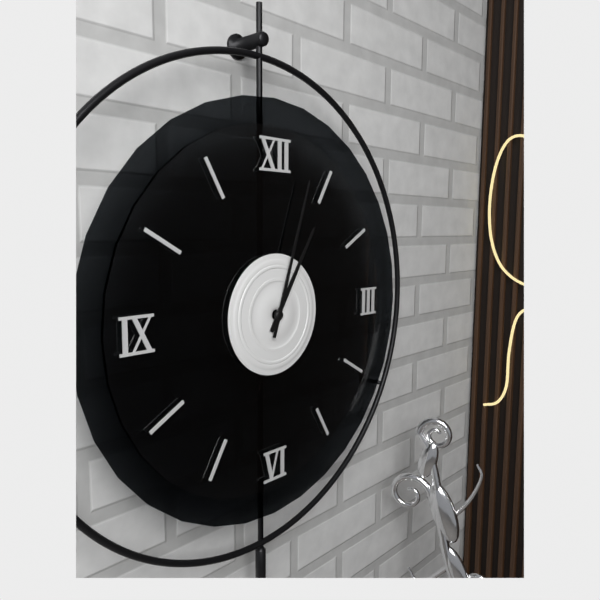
1:03
